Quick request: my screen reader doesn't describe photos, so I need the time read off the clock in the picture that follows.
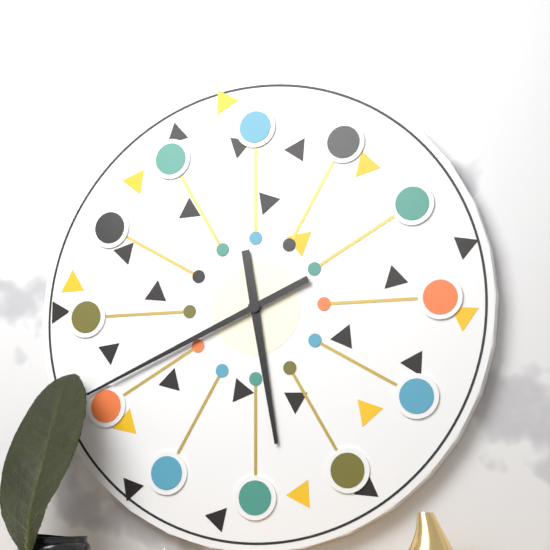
5:41
